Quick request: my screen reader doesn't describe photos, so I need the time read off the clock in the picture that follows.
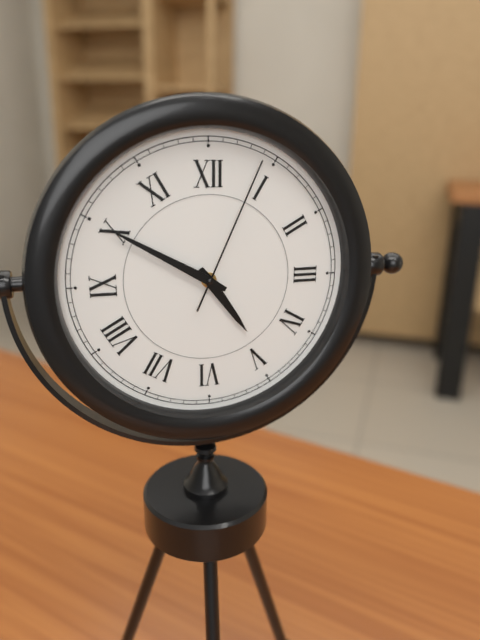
4:50:04
